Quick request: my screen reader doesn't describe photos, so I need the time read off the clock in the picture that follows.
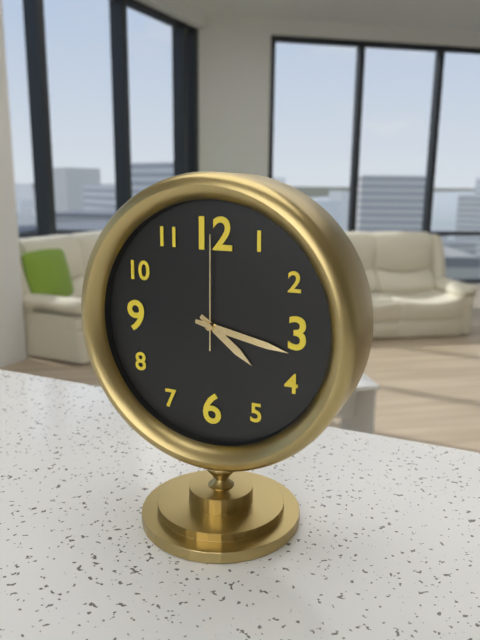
4:17:00
